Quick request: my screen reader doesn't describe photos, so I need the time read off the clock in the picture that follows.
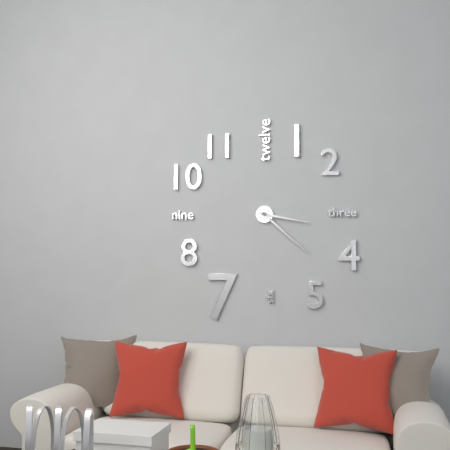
3:22
